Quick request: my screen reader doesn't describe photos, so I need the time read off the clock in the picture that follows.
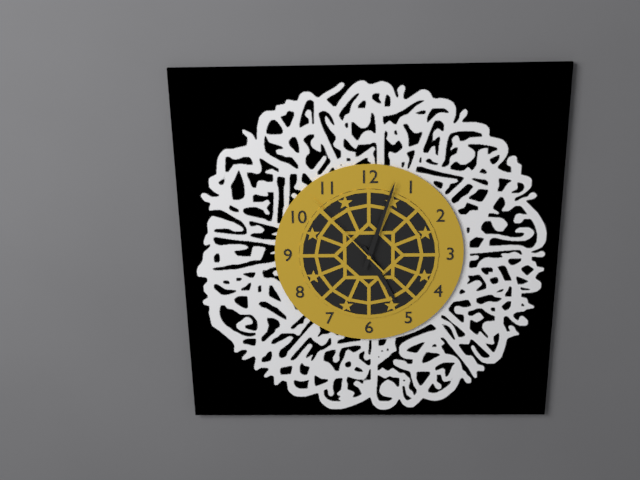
5:03:53
